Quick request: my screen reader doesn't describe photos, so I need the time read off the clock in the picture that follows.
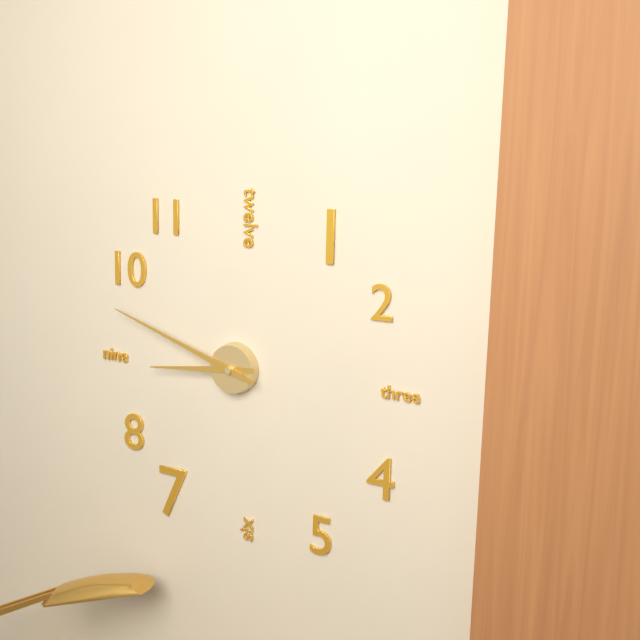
8:48
